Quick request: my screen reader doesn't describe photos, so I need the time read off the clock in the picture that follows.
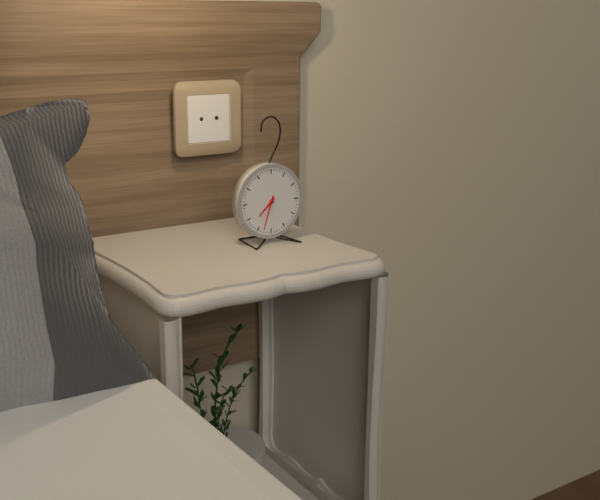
7:33
